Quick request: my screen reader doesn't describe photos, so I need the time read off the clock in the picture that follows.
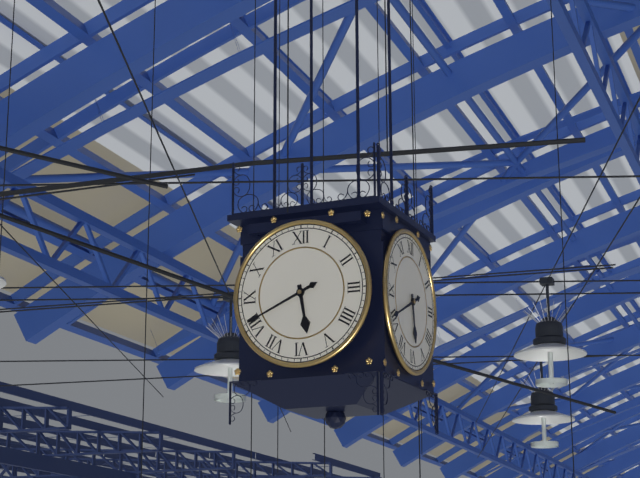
5:41
